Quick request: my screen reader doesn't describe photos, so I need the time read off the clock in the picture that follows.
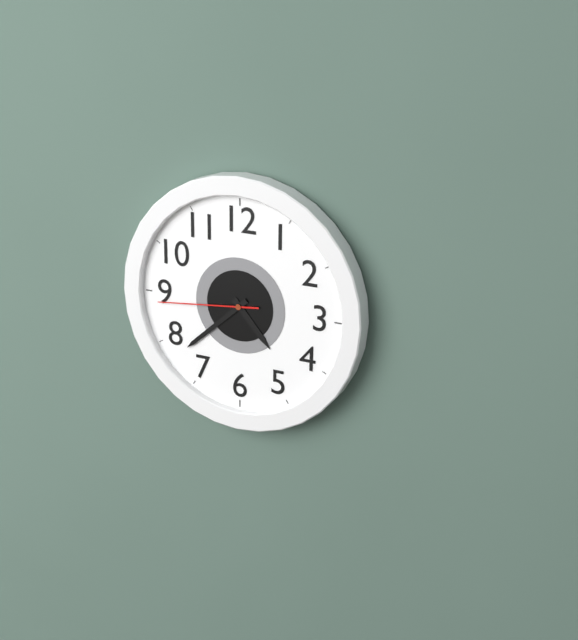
4:38:44
